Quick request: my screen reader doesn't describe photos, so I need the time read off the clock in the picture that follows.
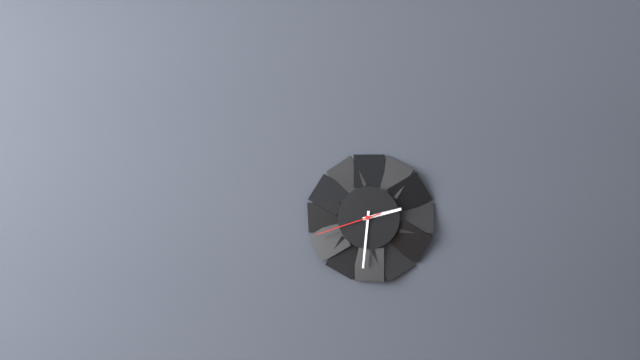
2:31:42
